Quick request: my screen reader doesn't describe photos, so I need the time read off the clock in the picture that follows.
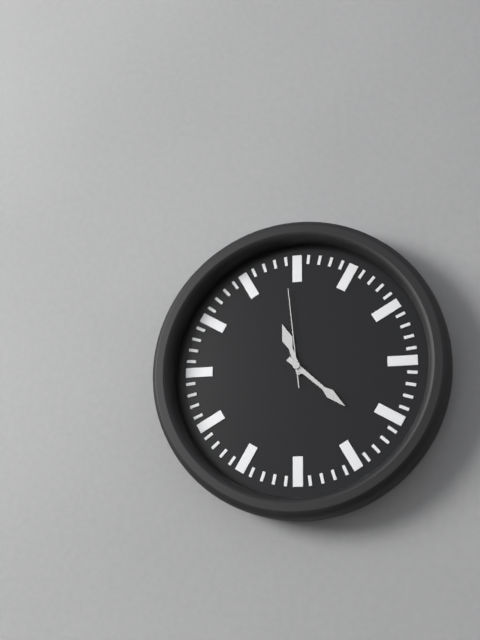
11:22:59
